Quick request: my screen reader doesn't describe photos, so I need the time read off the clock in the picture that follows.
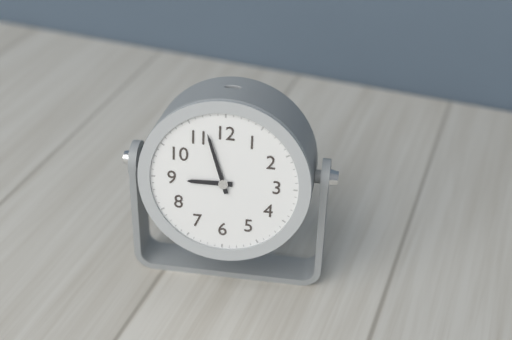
8:57
